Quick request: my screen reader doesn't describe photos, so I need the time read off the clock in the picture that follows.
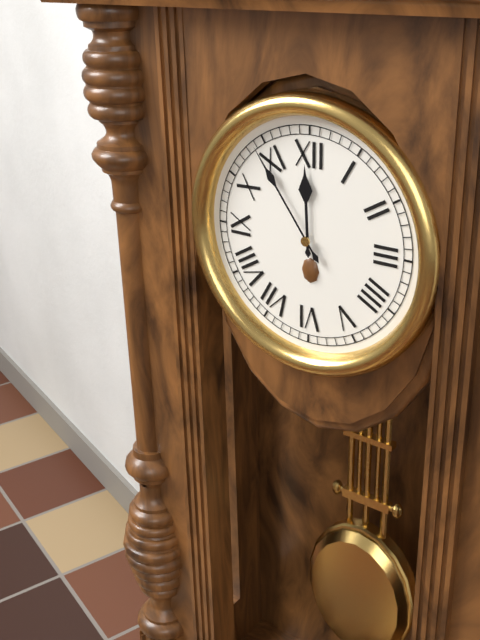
11:54
